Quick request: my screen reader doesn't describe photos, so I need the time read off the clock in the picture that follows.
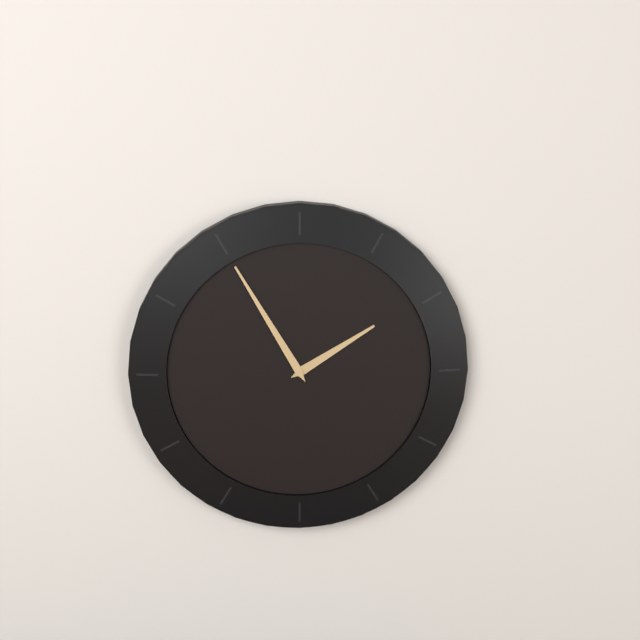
1:55
